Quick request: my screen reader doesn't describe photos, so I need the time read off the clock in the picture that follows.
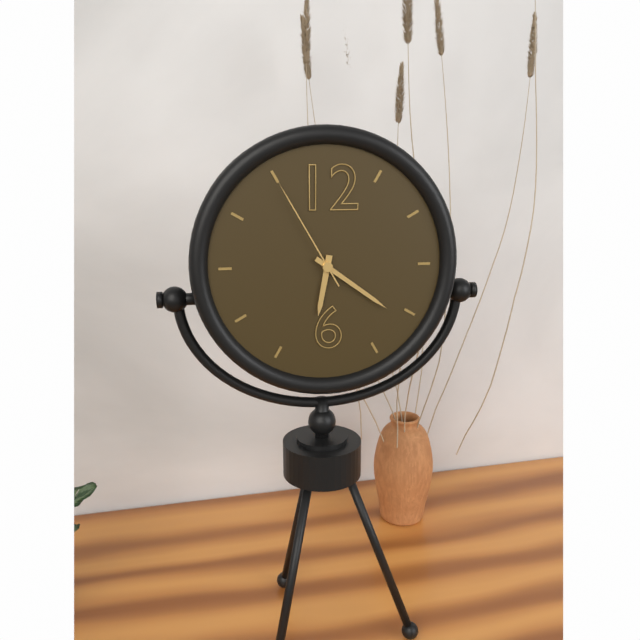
6:21:55
